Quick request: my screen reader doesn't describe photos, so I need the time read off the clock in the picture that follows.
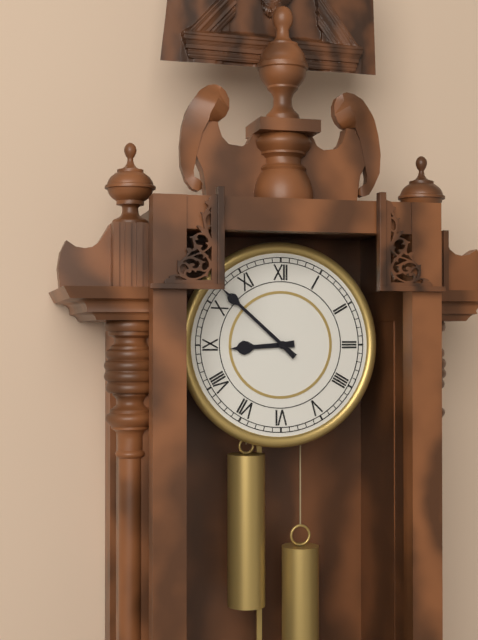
8:52
